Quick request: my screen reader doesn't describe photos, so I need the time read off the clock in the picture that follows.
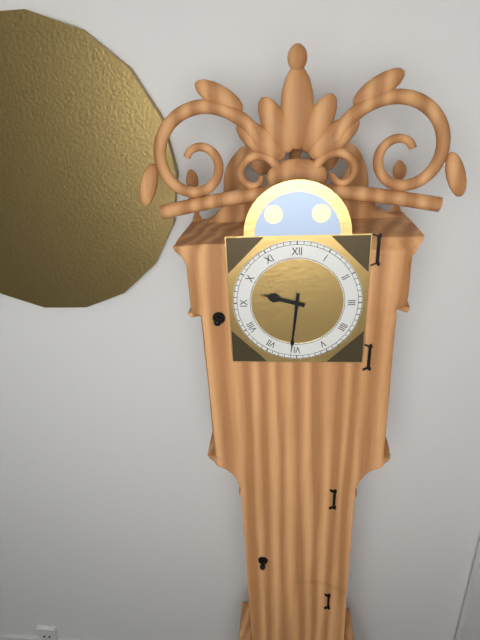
9:31
